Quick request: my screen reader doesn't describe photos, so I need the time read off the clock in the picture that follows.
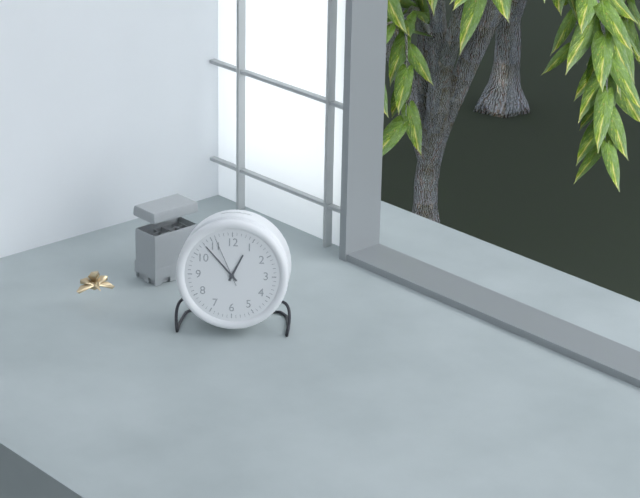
12:53:56
